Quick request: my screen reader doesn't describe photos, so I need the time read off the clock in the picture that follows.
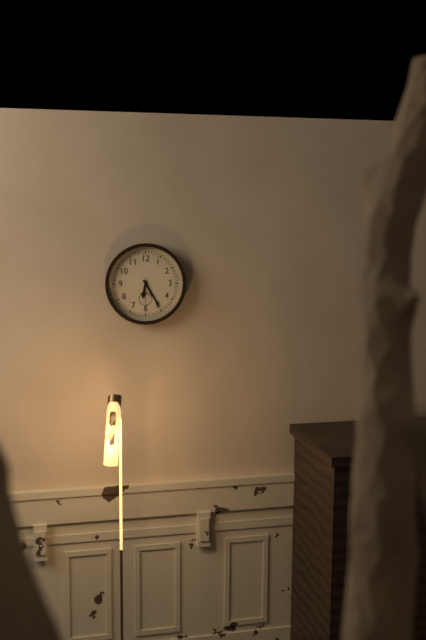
6:25
